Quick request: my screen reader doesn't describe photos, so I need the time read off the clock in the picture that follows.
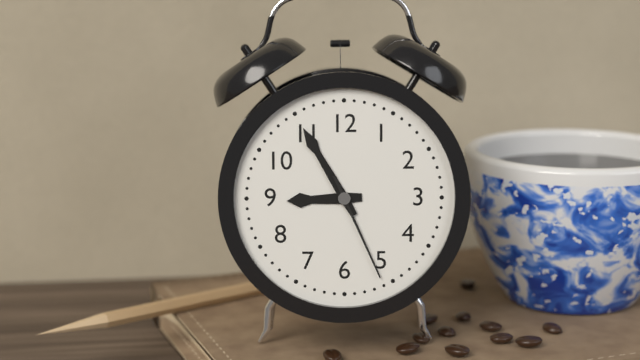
8:55:26
